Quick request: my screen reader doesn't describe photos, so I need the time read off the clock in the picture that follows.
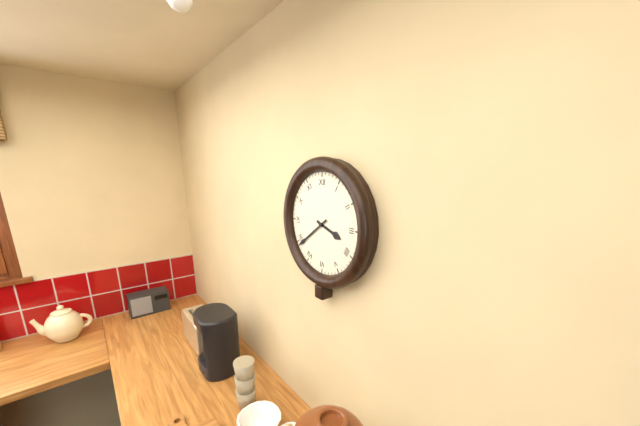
3:39
